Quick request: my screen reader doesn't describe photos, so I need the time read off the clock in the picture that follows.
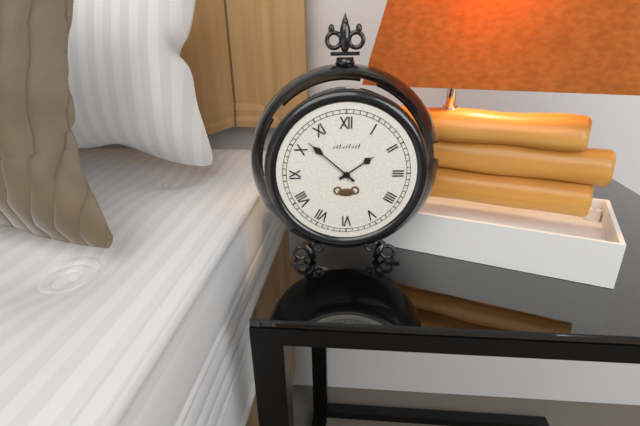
1:52
